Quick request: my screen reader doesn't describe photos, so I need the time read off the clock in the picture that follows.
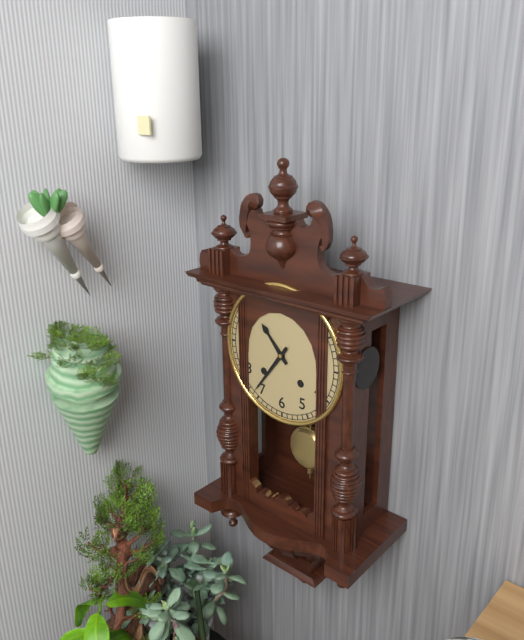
10:36
